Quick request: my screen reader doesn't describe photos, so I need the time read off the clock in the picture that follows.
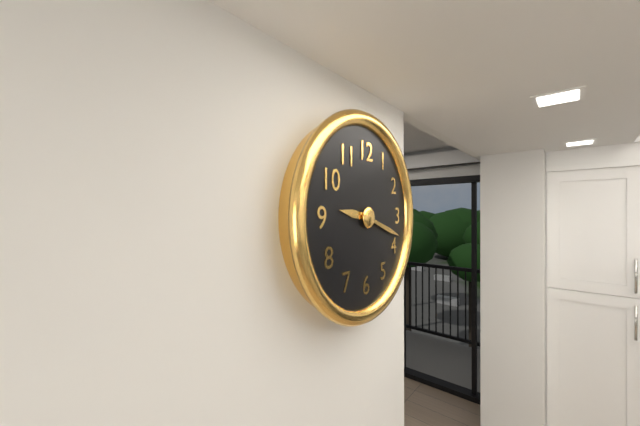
9:18
